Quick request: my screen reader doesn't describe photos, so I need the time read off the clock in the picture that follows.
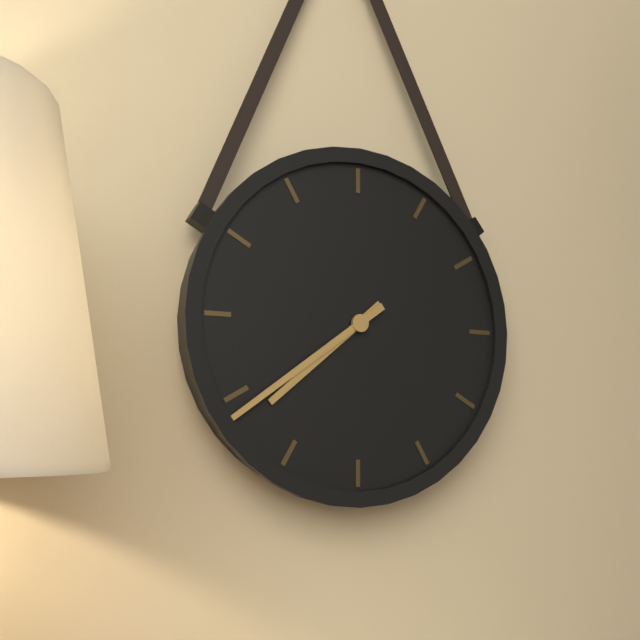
7:39
